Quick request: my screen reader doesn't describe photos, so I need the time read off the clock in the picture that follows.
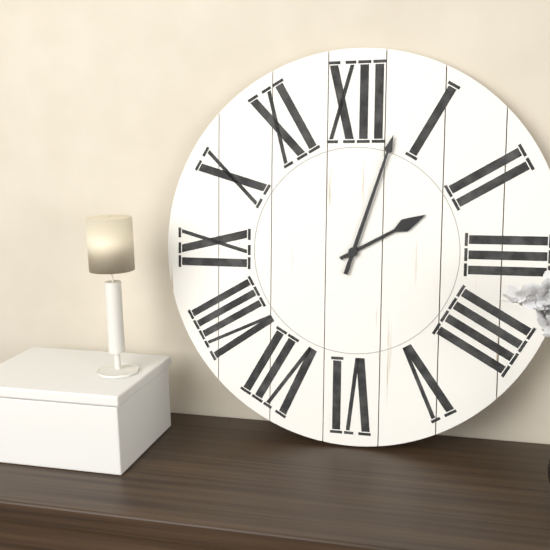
2:03
